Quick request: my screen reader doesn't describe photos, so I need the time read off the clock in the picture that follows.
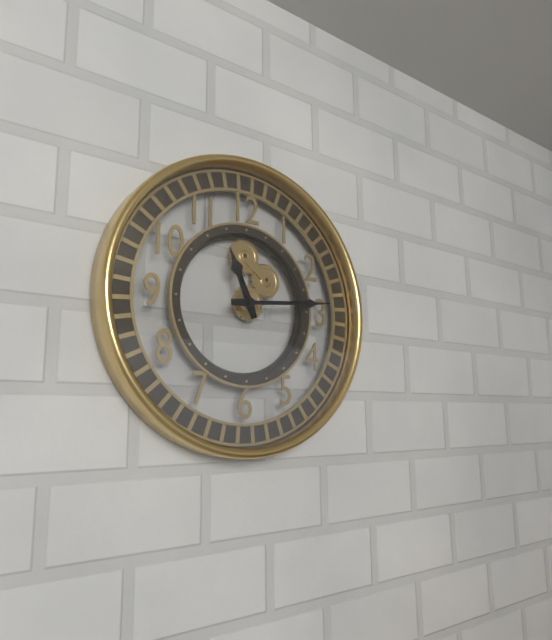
11:14
